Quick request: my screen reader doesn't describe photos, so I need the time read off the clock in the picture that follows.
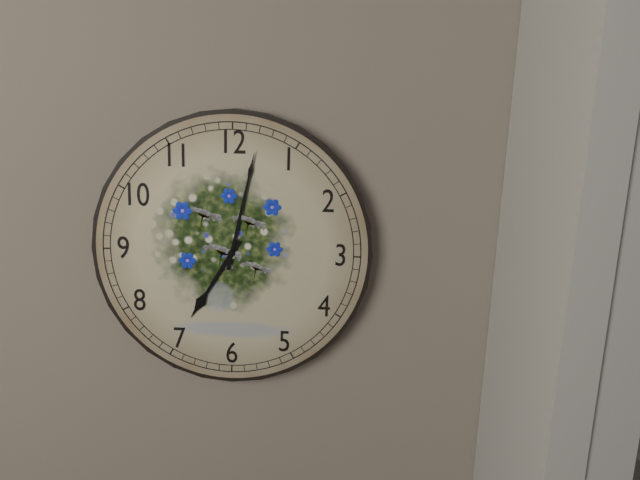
7:02
